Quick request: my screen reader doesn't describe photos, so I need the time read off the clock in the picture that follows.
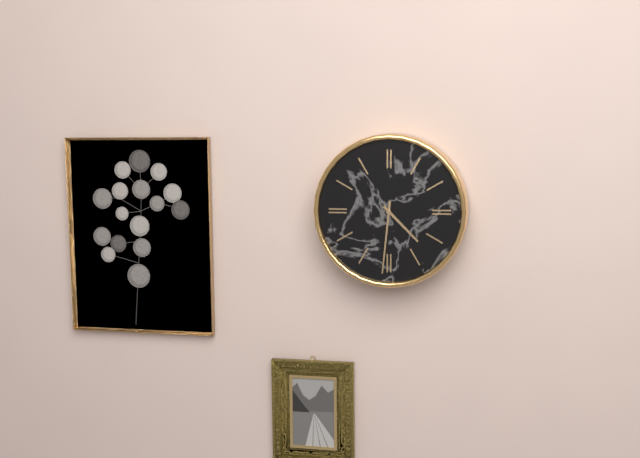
4:31
